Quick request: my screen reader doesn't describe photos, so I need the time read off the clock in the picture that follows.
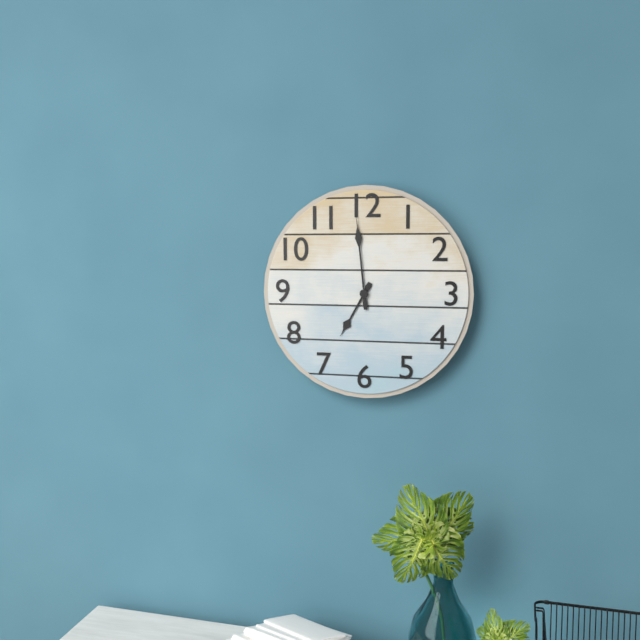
6:59
